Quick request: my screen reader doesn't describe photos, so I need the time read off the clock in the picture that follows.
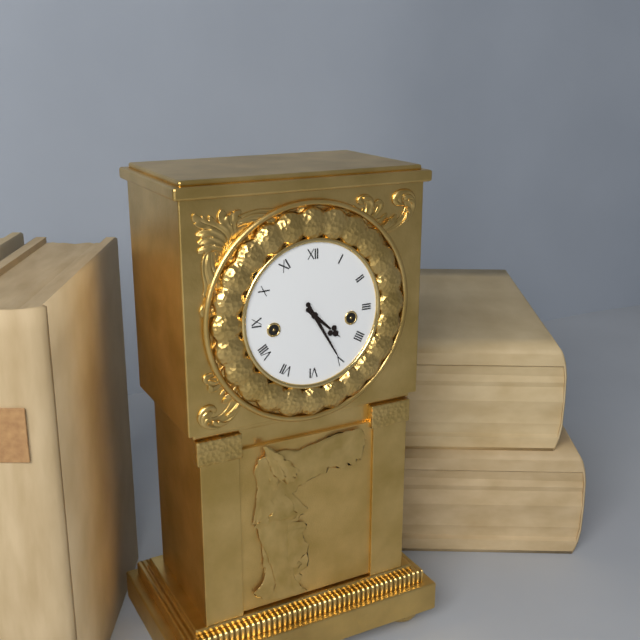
4:25
